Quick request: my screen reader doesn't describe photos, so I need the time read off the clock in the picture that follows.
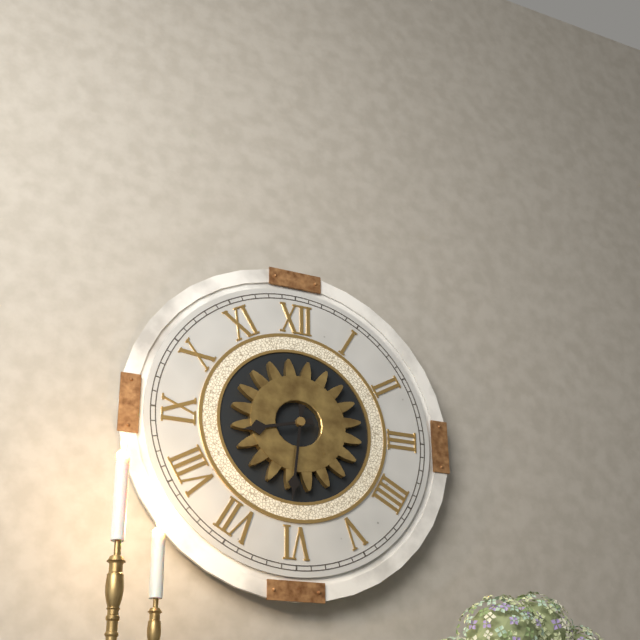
8:31
